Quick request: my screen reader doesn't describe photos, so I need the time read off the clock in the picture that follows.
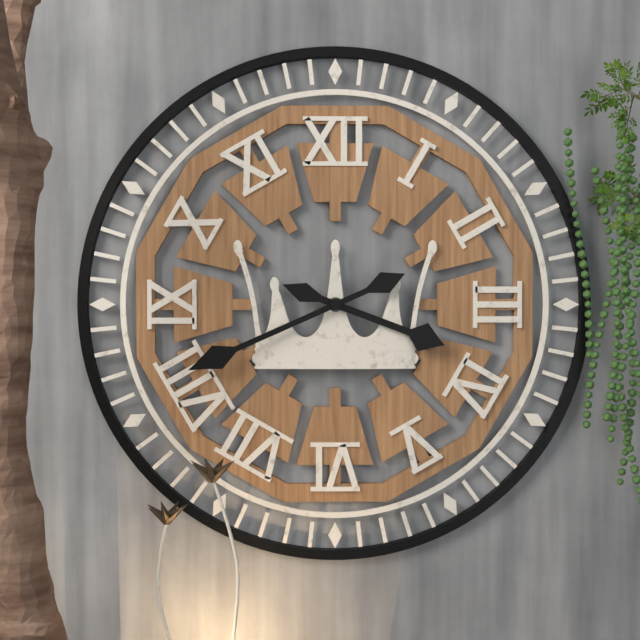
3:41
